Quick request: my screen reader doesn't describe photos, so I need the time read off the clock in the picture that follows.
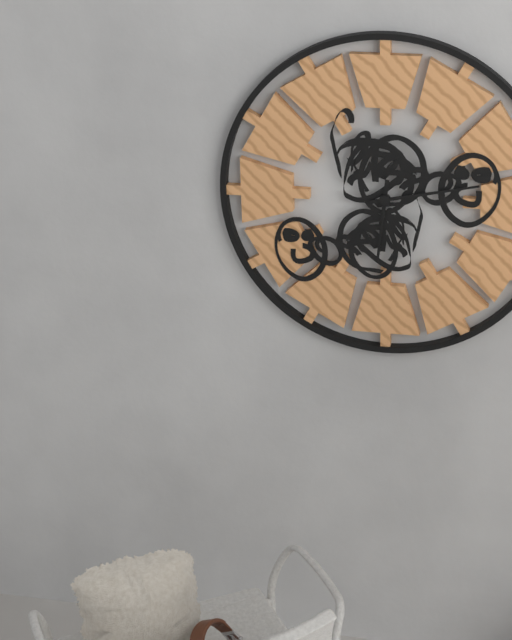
6:13
